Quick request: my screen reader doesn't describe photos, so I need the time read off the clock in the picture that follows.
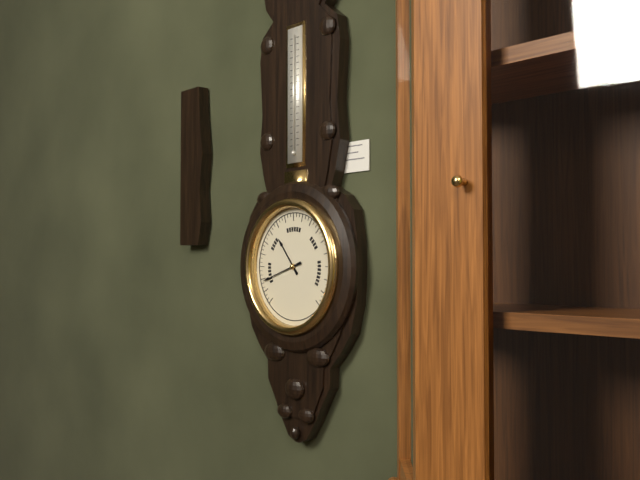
10:42
